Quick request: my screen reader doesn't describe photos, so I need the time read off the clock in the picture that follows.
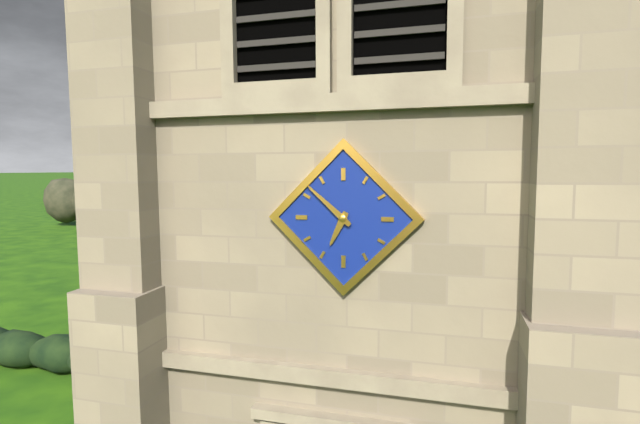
6:52
